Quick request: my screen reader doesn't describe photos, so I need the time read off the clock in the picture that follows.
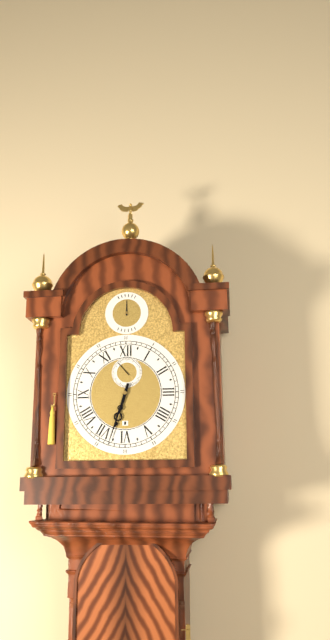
6:33
